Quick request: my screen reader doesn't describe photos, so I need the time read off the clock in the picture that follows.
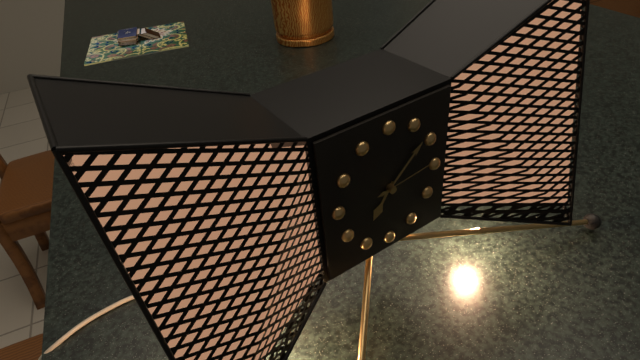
7:08:14
